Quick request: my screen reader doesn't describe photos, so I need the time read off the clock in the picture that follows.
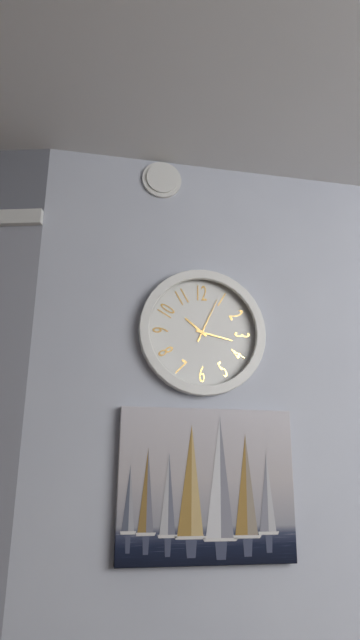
10:17
